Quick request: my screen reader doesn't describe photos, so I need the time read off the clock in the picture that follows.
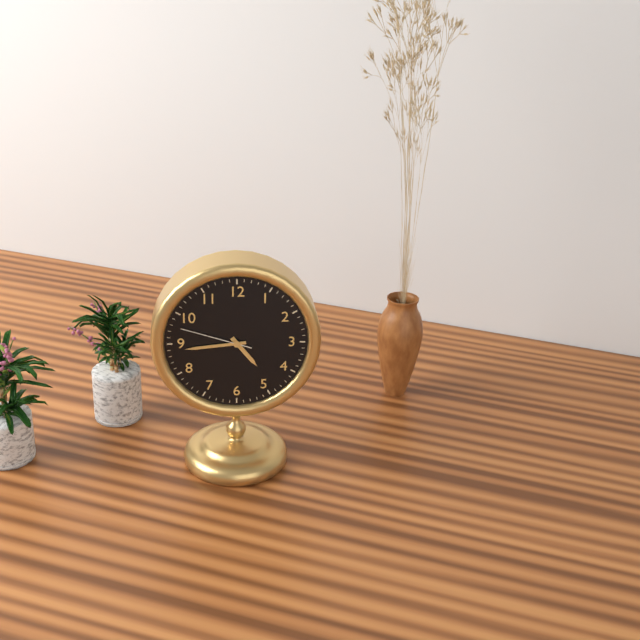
4:44:48
